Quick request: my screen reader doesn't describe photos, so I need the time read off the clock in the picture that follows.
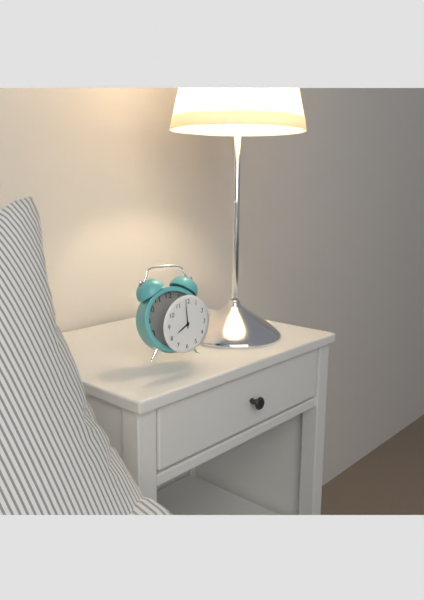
7:59
